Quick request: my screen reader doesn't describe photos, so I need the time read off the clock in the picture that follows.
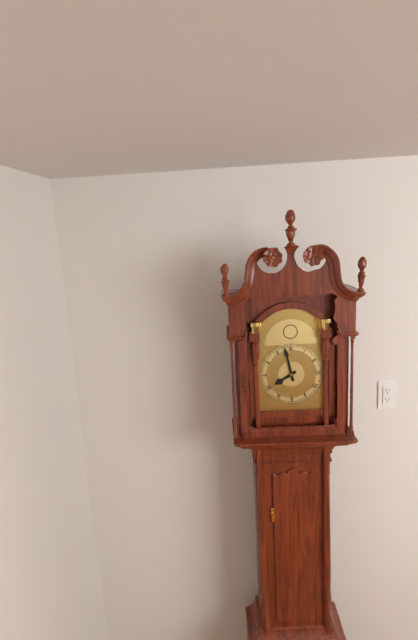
7:58
